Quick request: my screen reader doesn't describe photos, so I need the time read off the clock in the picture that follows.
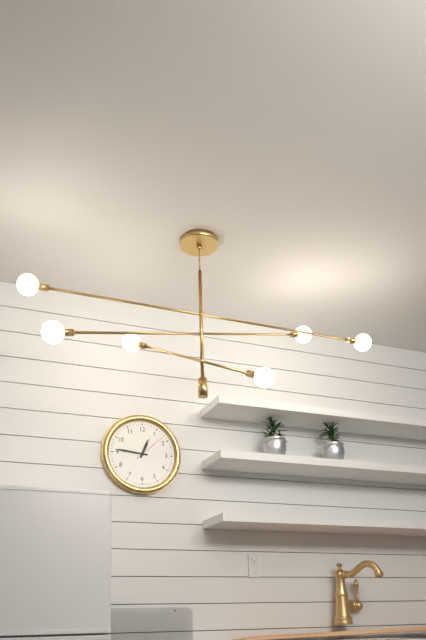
12:46
